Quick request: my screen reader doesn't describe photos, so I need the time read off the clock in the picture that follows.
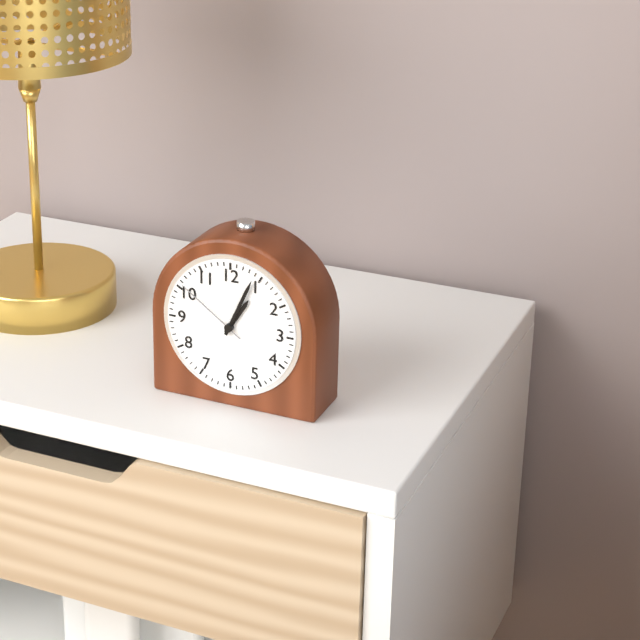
1:04:51
